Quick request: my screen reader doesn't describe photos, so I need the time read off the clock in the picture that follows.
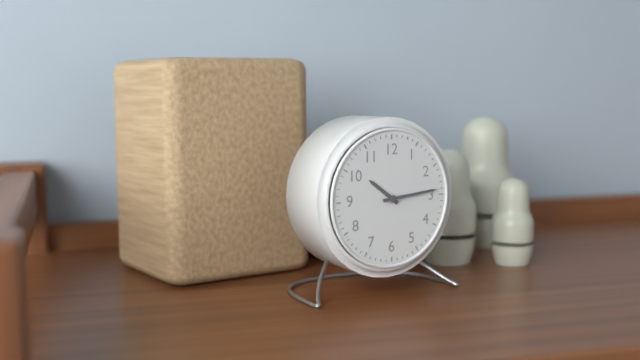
10:14
